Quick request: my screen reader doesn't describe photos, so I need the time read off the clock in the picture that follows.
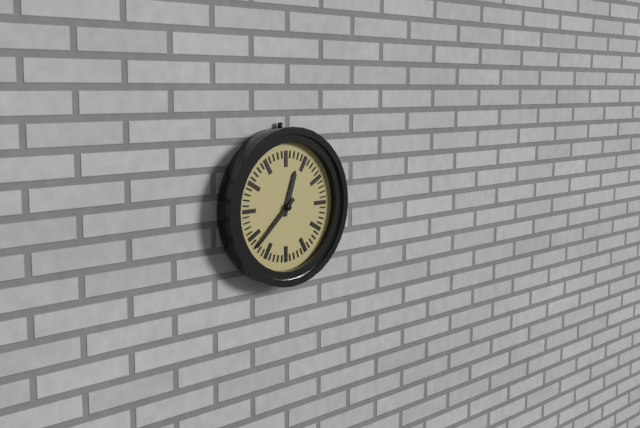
12:38
